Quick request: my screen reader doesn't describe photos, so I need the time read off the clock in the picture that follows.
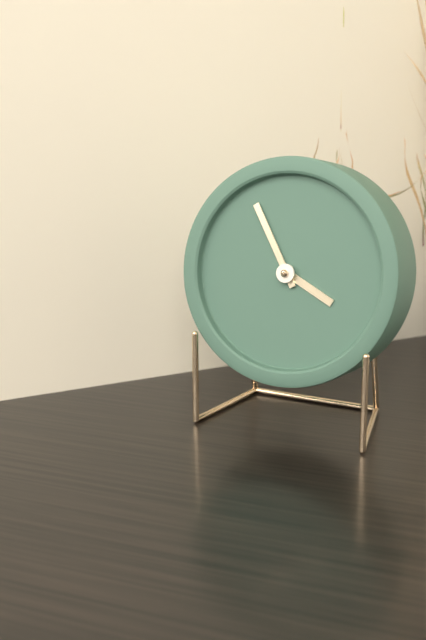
3:55
